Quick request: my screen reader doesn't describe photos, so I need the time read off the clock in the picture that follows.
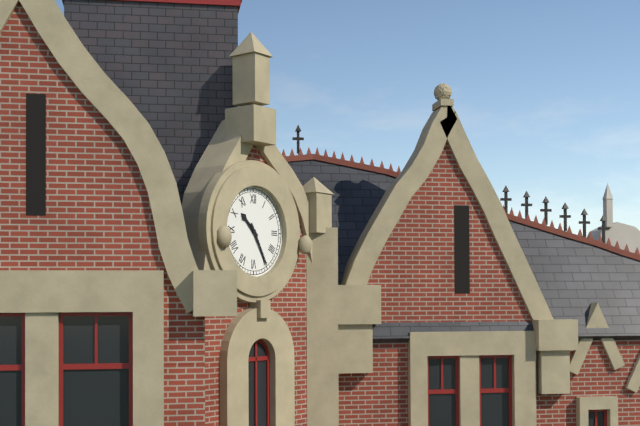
10:25
